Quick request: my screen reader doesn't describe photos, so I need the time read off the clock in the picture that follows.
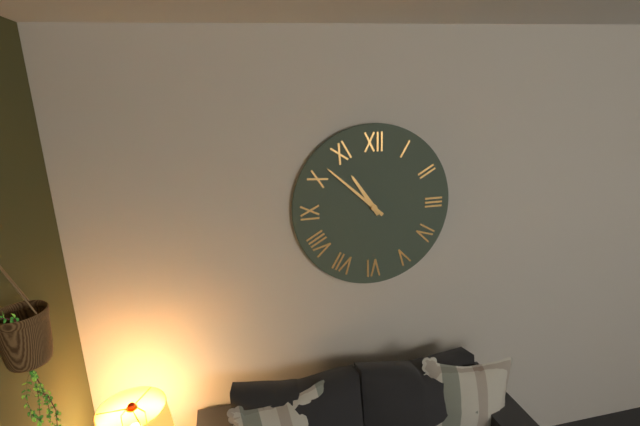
10:52
